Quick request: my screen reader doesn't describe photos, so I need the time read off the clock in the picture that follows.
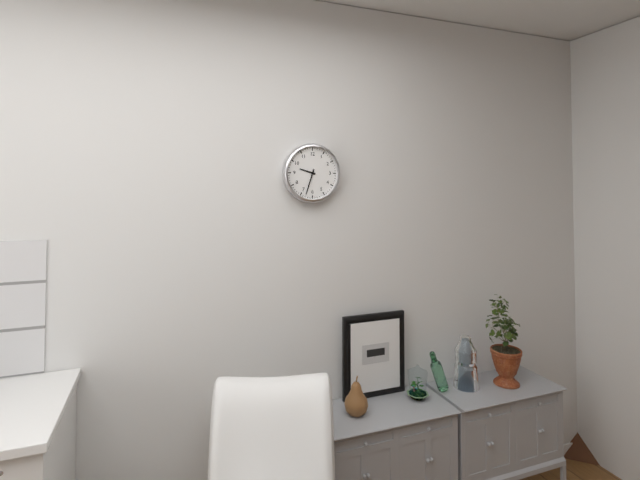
9:33
